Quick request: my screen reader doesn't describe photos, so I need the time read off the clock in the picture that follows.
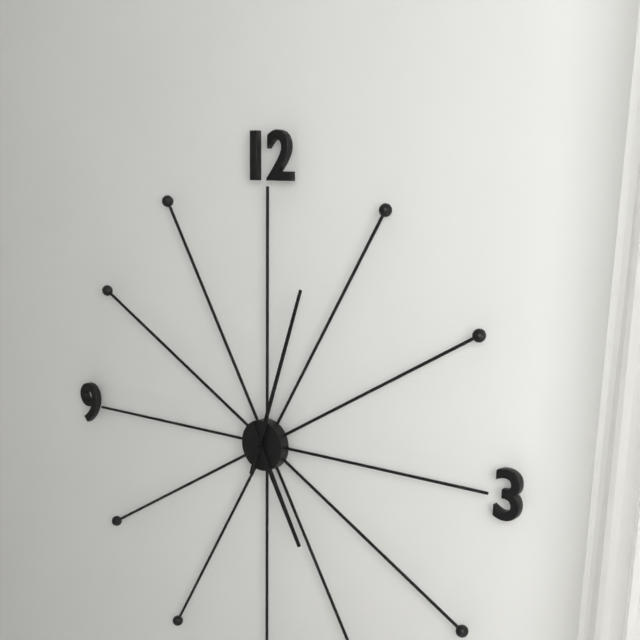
5:03
